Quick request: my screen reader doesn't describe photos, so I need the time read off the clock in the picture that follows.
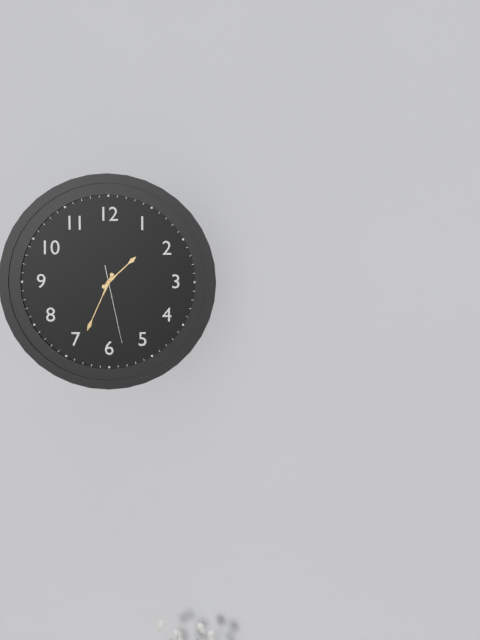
1:34:28
